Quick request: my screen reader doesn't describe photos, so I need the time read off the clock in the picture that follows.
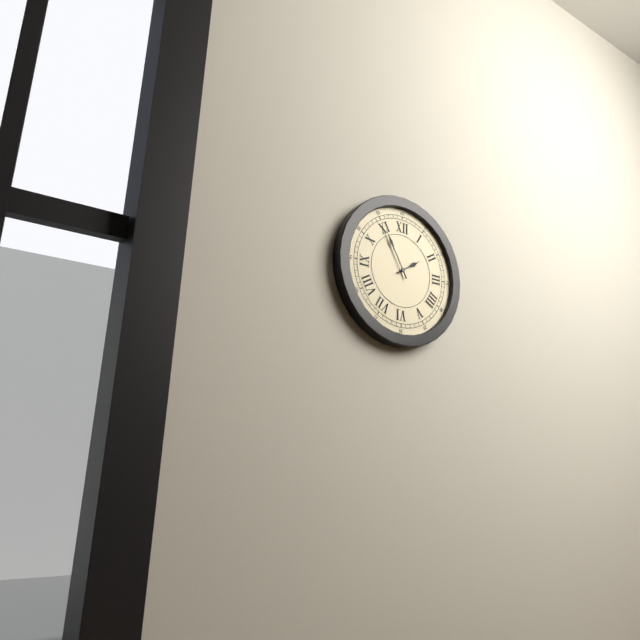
1:55
